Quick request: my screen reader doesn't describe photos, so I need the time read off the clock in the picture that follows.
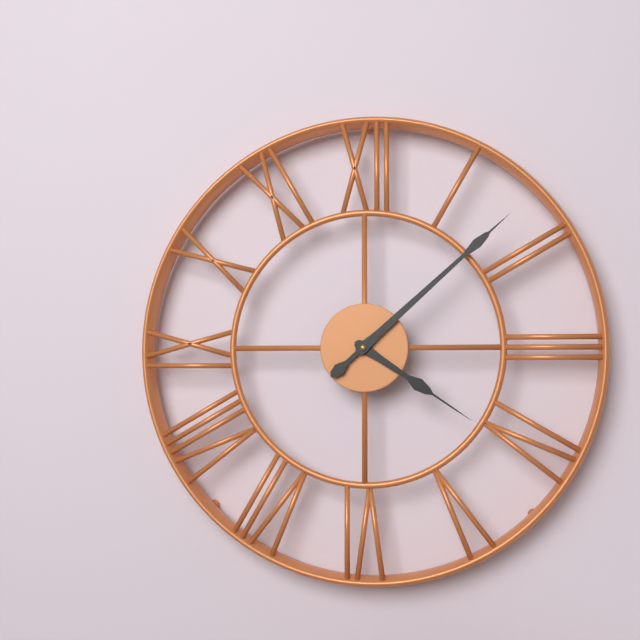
4:08
